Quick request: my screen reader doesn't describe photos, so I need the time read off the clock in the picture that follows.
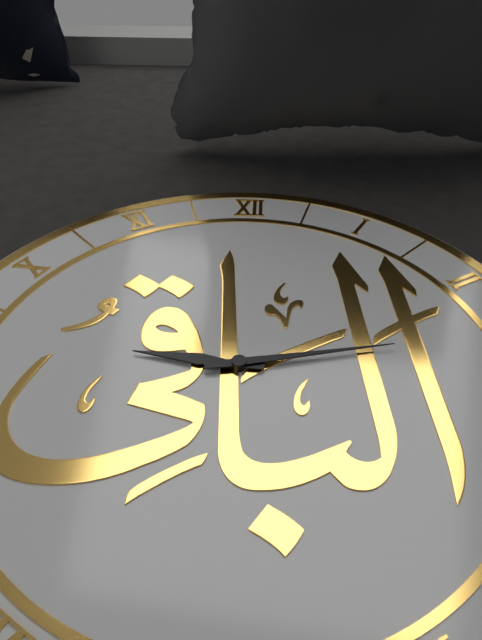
9:13
